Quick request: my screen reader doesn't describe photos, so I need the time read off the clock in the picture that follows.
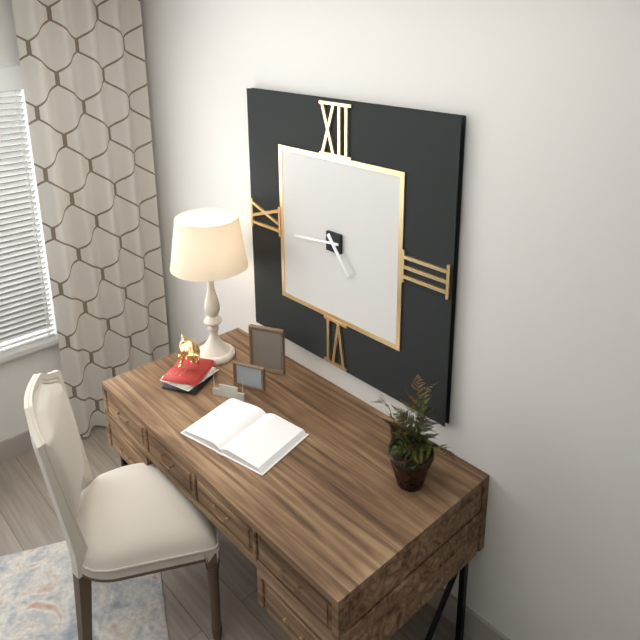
4:44
